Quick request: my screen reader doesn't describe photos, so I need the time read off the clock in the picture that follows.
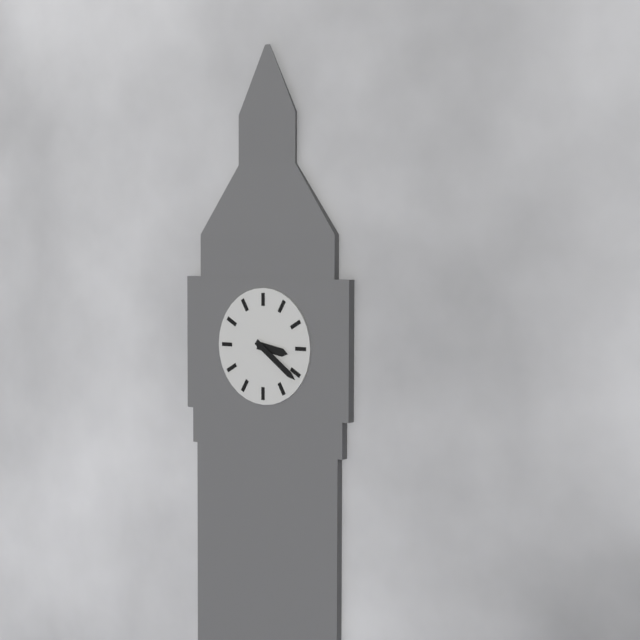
3:21
